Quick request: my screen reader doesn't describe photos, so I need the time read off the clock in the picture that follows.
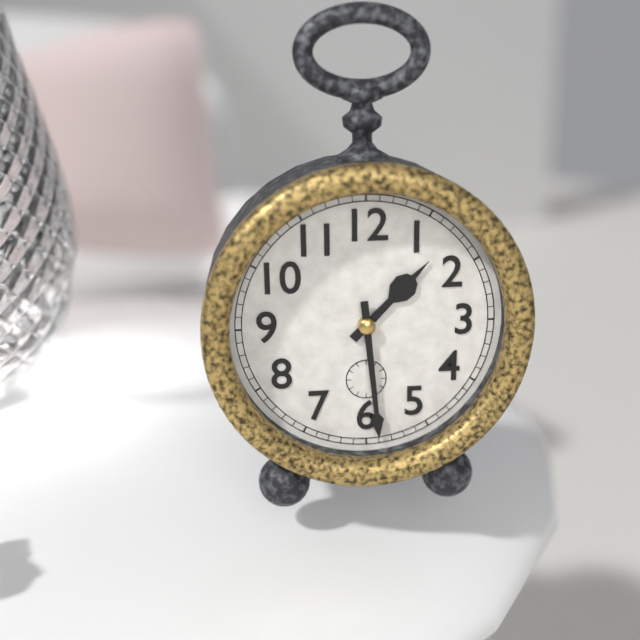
1:29
